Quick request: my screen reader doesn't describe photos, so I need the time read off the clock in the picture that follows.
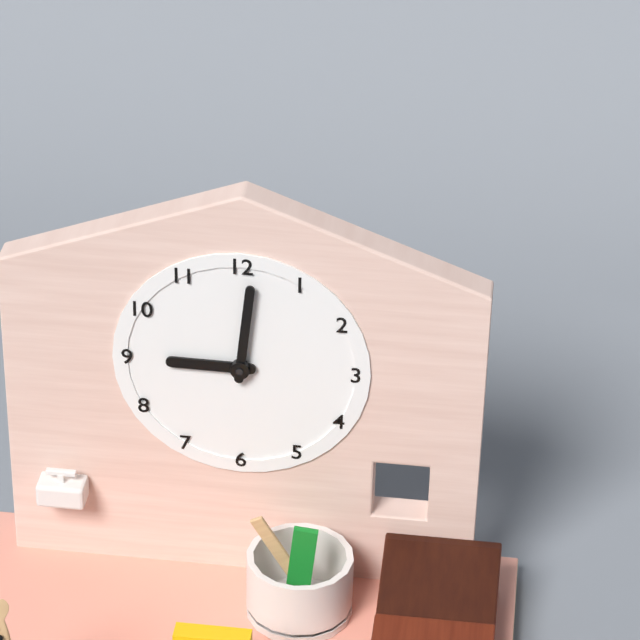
9:01
